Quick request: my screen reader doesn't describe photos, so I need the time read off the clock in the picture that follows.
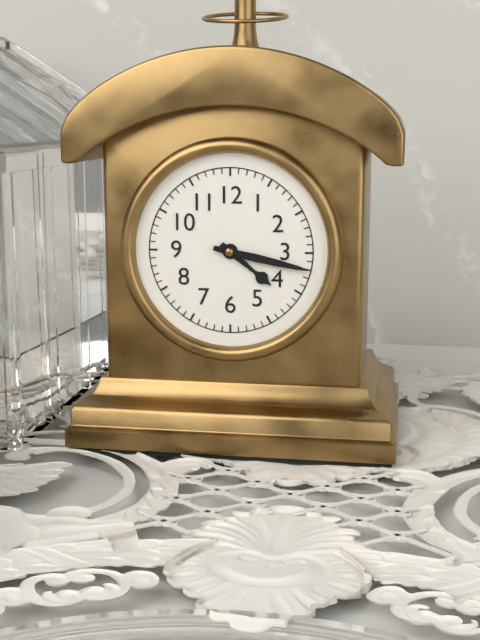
4:17
